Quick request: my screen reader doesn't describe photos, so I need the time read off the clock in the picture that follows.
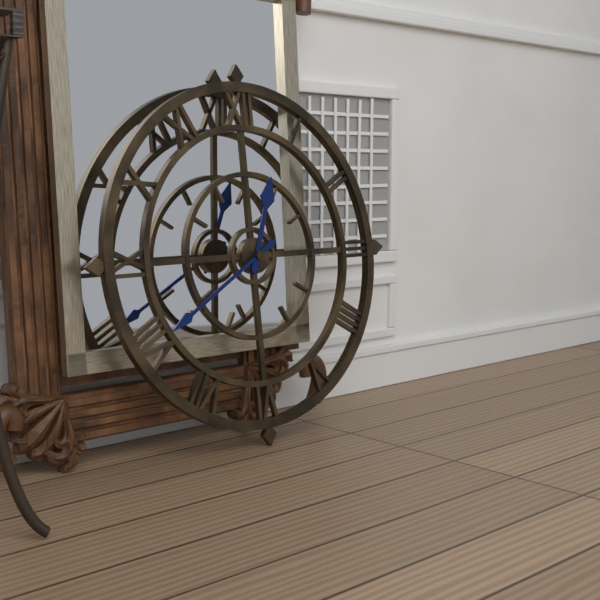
12:40
